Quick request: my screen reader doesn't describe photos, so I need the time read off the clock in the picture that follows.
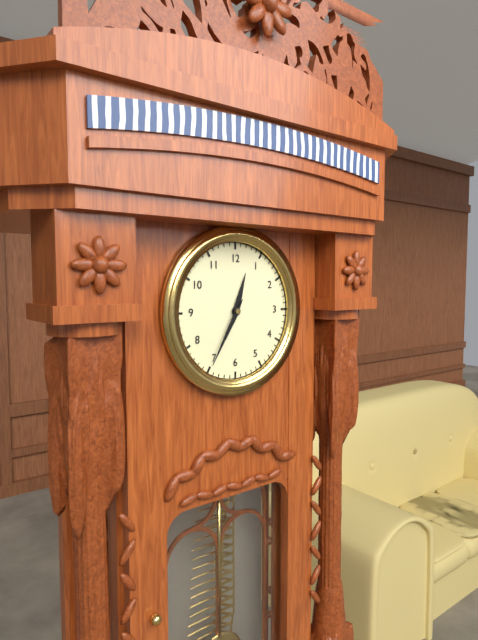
12:35
